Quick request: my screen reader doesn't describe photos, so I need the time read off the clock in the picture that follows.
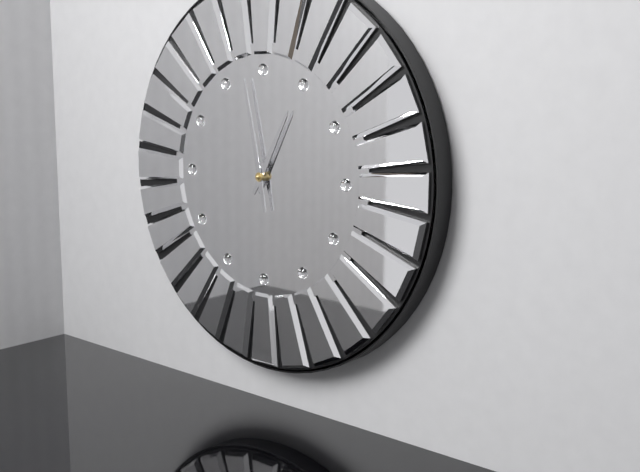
12:58
